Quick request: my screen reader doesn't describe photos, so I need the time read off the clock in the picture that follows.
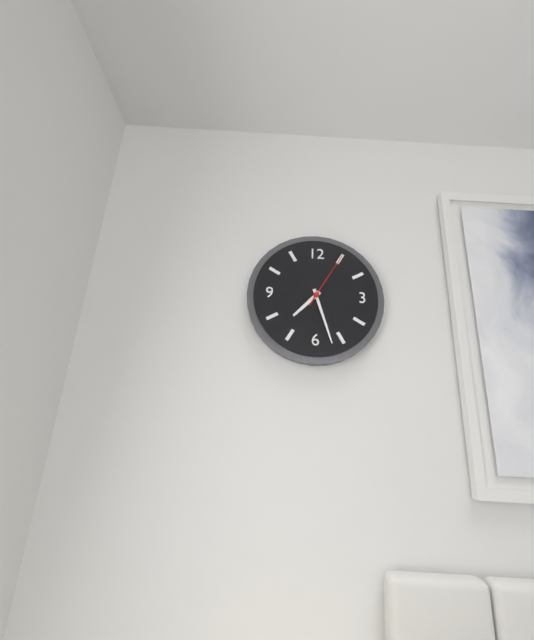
7:27:05
